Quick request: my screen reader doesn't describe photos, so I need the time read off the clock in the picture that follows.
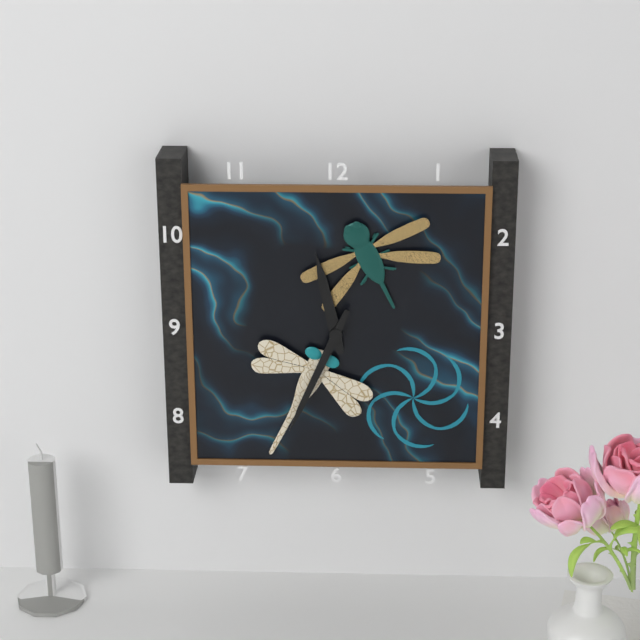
11:34
